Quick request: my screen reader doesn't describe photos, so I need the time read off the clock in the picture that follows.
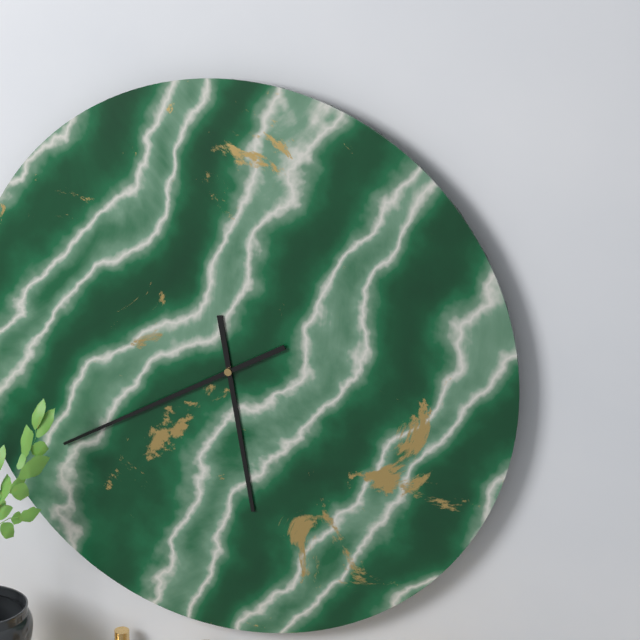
5:40
